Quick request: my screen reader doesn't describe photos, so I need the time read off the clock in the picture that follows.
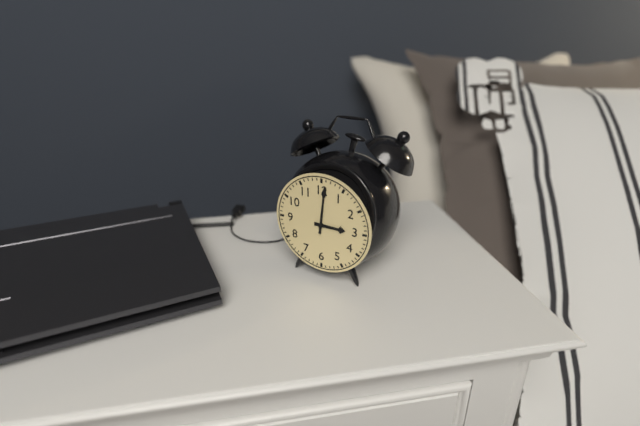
3:01
